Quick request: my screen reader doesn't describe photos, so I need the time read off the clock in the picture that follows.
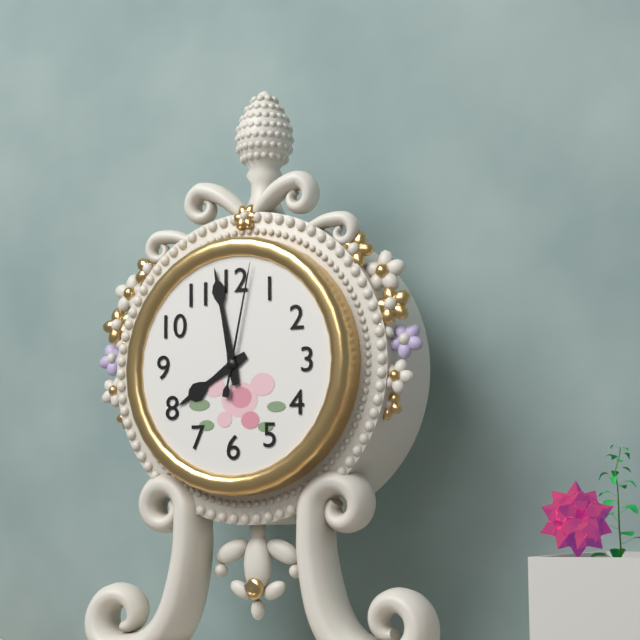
7:58:02
